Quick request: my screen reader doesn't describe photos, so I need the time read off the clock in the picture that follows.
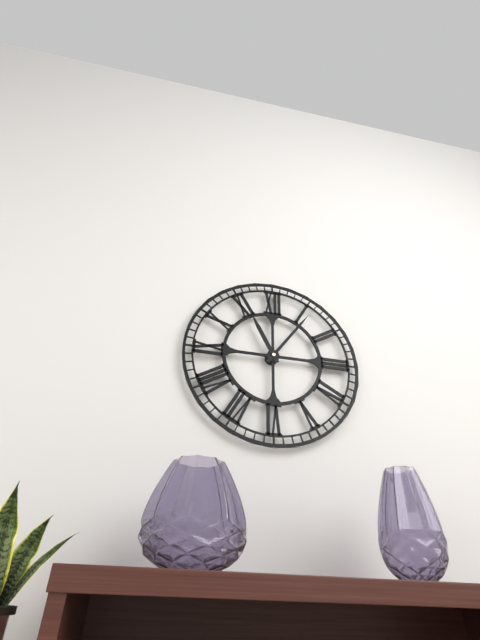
11:06
